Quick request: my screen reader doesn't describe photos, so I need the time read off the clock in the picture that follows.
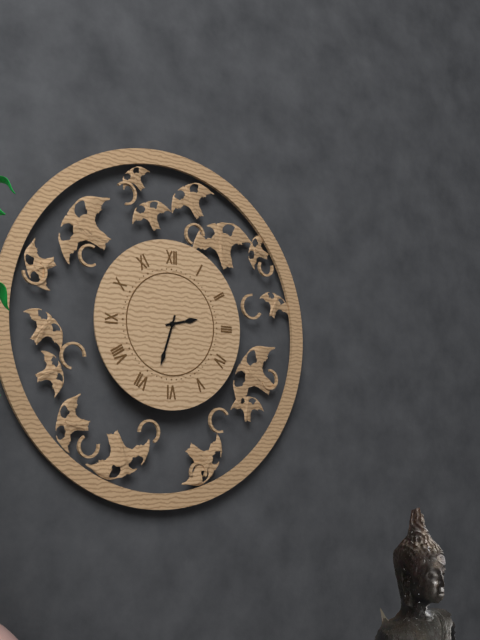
2:33
